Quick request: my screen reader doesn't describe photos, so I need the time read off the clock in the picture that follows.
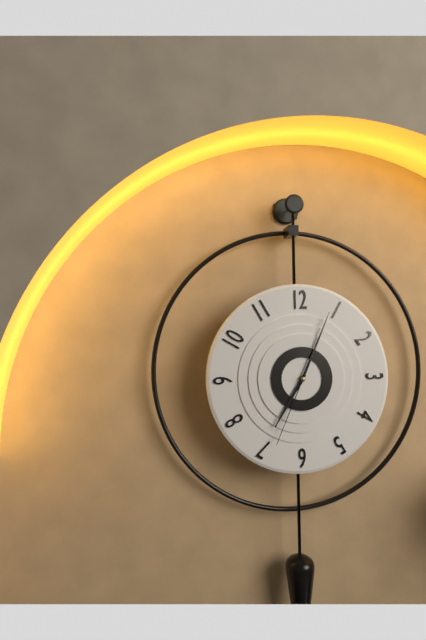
7:04:34
